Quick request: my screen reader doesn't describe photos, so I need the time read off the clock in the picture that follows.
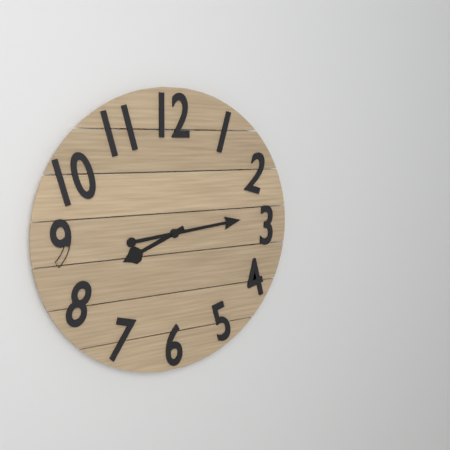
8:14
